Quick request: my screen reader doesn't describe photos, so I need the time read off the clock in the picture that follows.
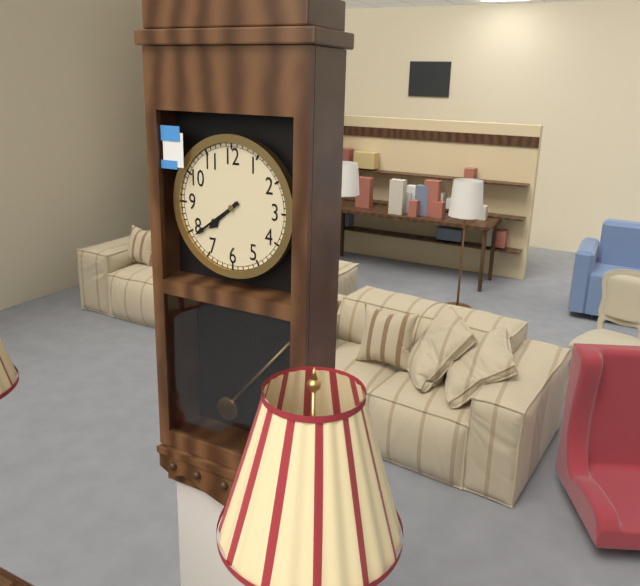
7:39
